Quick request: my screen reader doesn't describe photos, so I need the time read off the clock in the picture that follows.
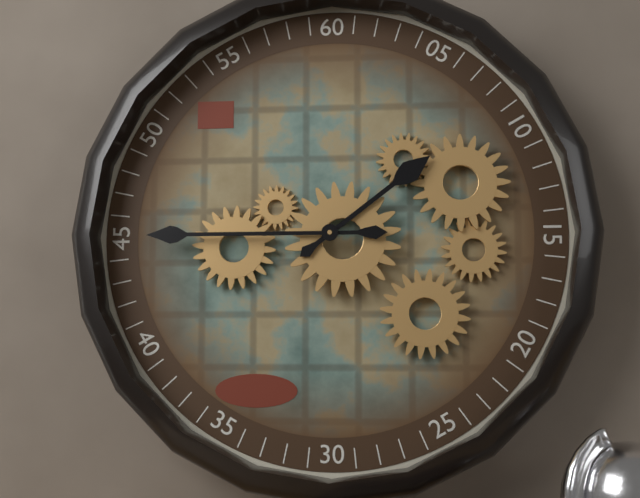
1:45
